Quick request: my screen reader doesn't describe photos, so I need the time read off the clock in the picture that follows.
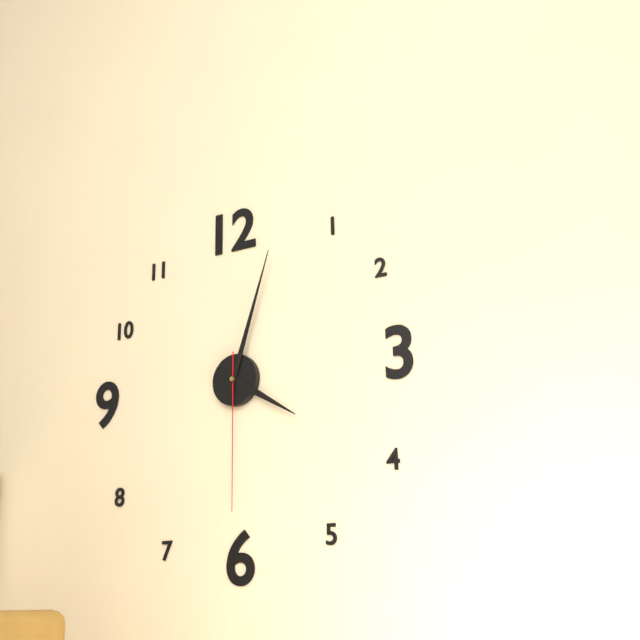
4:03:30
